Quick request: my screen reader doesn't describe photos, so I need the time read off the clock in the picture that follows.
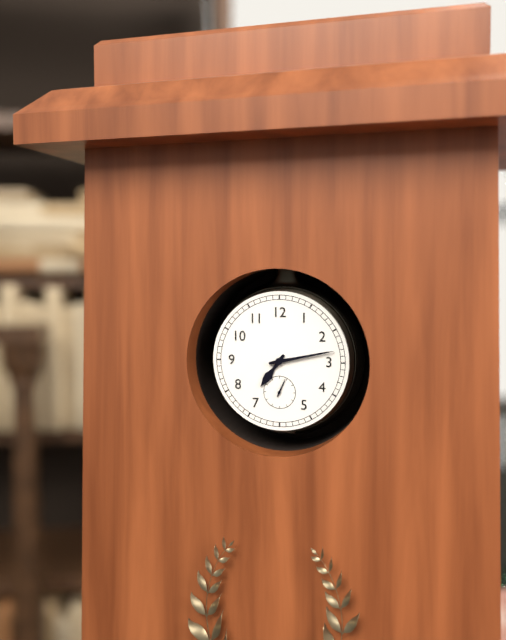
7:13
